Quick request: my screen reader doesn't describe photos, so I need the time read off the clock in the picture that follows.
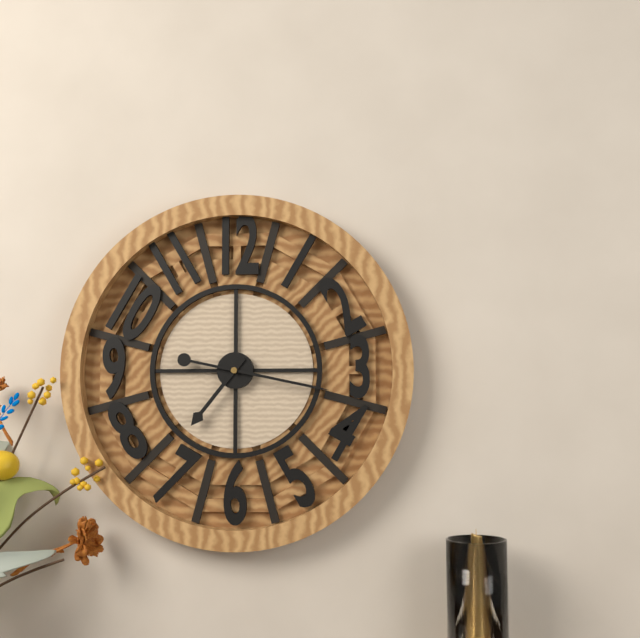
7:17
